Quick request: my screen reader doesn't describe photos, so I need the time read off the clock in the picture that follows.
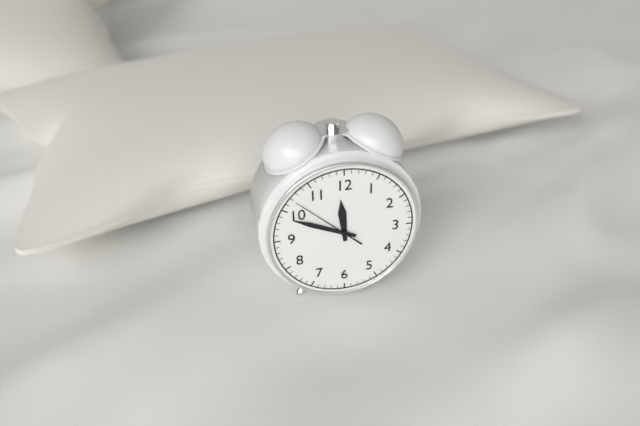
11:49:52
